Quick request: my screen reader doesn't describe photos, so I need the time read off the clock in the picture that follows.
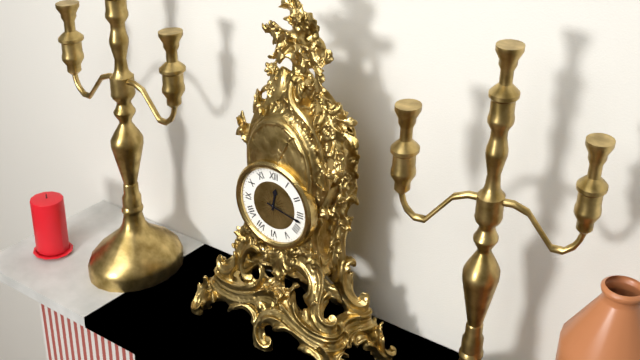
12:17
